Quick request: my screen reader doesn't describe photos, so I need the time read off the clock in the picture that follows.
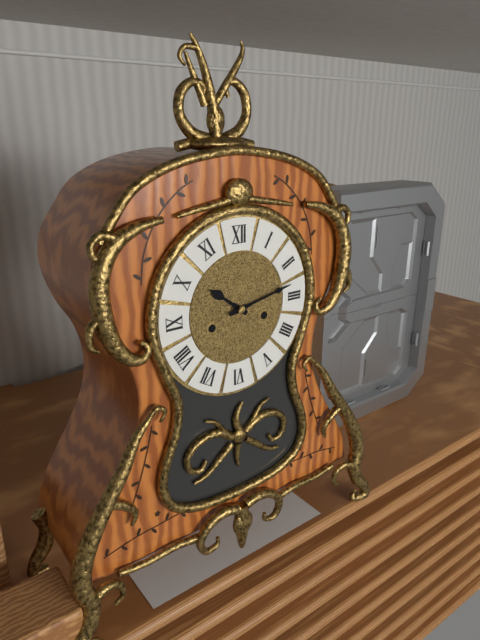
10:13
